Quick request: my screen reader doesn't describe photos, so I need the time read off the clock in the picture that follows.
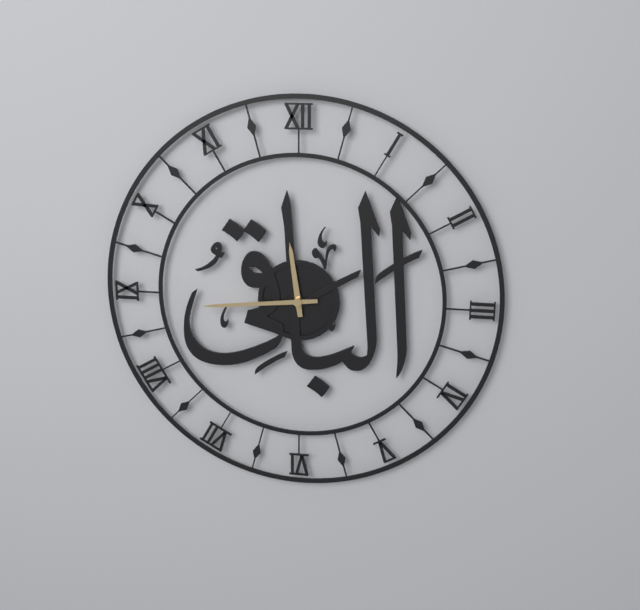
11:44
